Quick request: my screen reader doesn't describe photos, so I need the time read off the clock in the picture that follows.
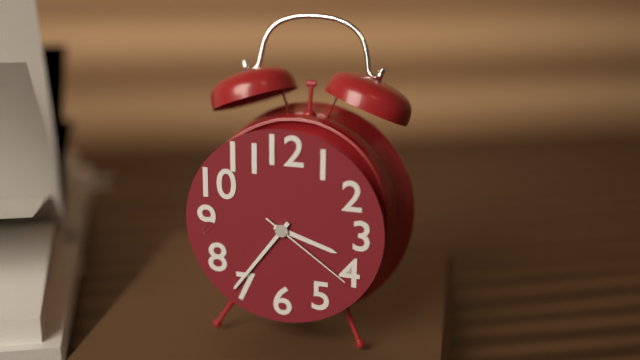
3:36:21
